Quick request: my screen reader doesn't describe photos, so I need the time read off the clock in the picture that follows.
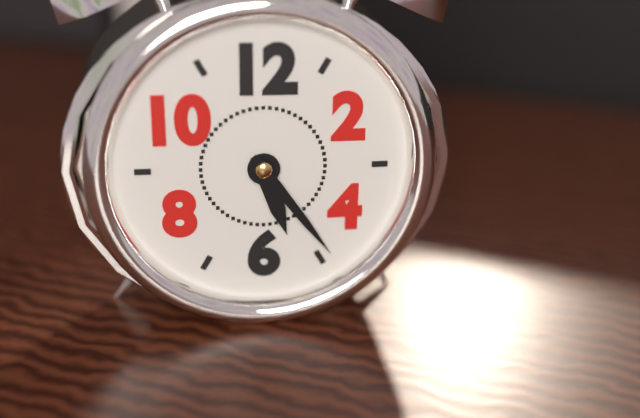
5:24
